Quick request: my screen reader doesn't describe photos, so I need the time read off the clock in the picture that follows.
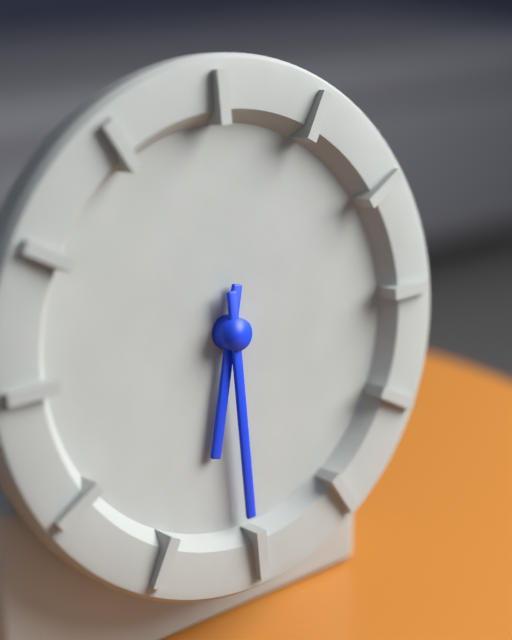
6:30
